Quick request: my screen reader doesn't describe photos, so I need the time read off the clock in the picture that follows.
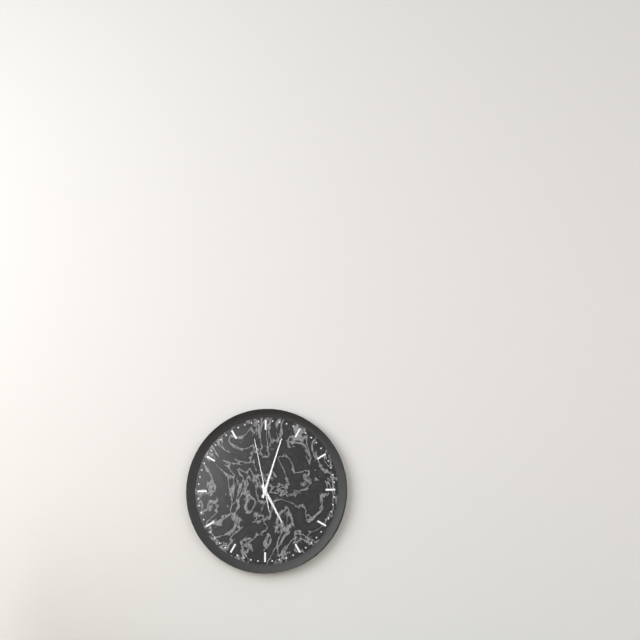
5:03:58
